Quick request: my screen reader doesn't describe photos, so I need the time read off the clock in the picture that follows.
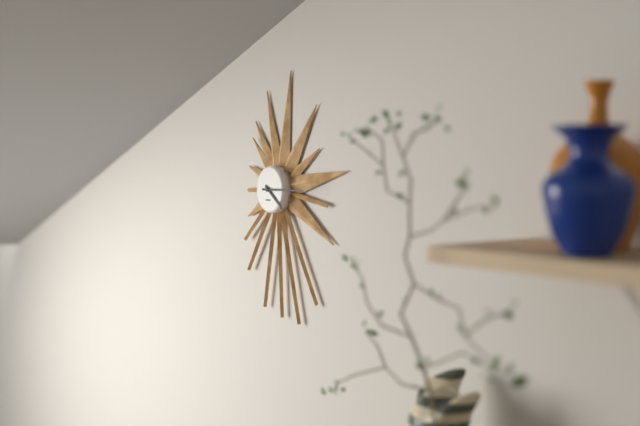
4:15
